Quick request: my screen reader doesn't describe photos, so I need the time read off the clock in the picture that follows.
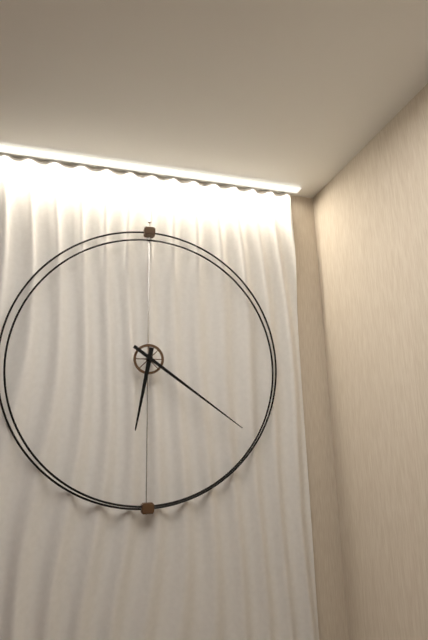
6:21
